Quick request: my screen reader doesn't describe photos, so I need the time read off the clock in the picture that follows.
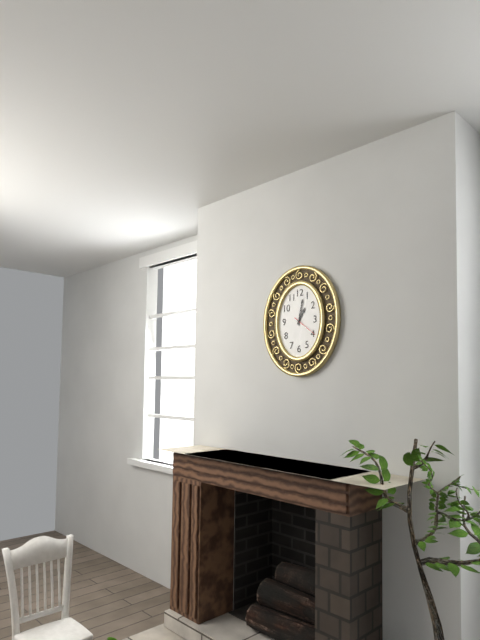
1:02
